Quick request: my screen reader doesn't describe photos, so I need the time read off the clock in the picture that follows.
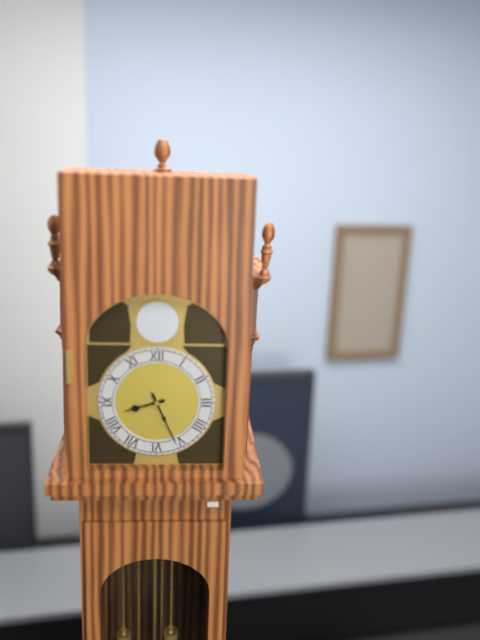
8:26
